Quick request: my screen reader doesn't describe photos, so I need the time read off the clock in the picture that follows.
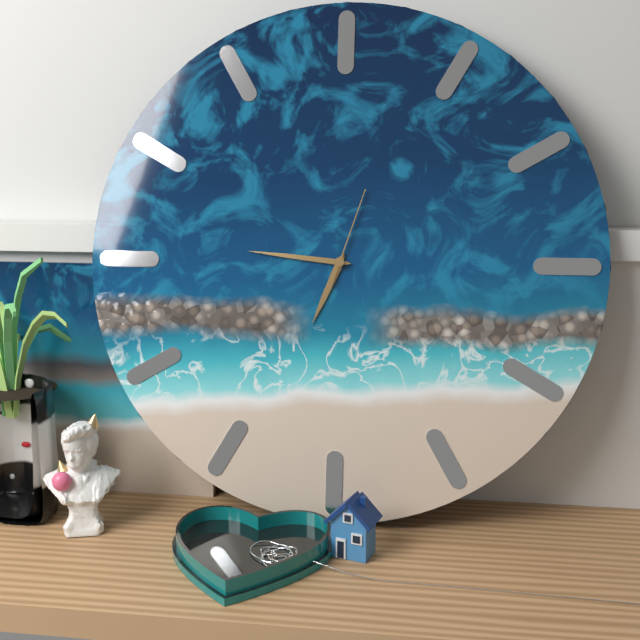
6:46:03
